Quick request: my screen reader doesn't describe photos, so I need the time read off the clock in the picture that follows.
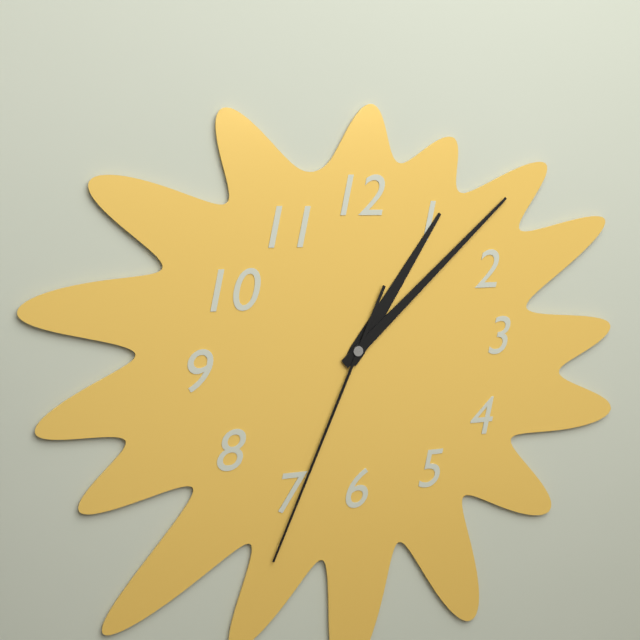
1:08:34
